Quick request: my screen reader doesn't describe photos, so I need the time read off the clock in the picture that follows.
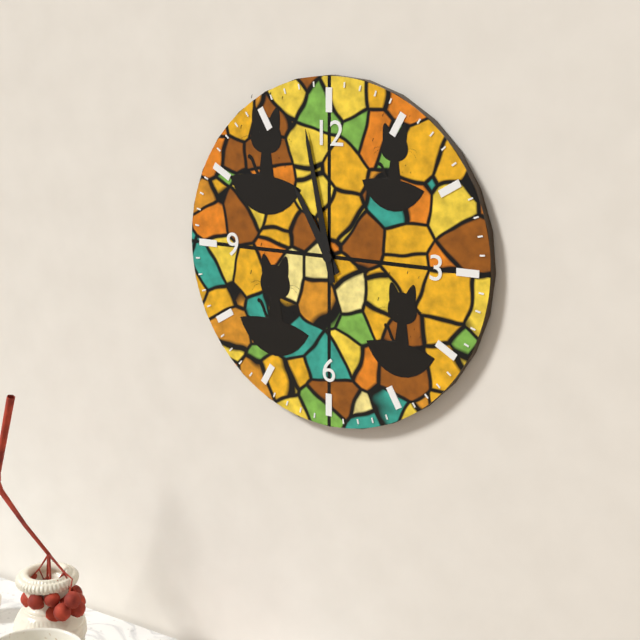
10:58
